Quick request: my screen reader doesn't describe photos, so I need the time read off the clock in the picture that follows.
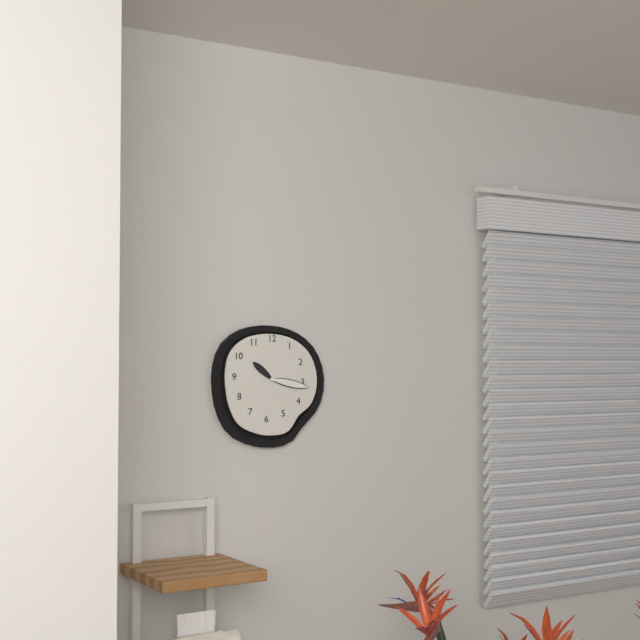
10:17
